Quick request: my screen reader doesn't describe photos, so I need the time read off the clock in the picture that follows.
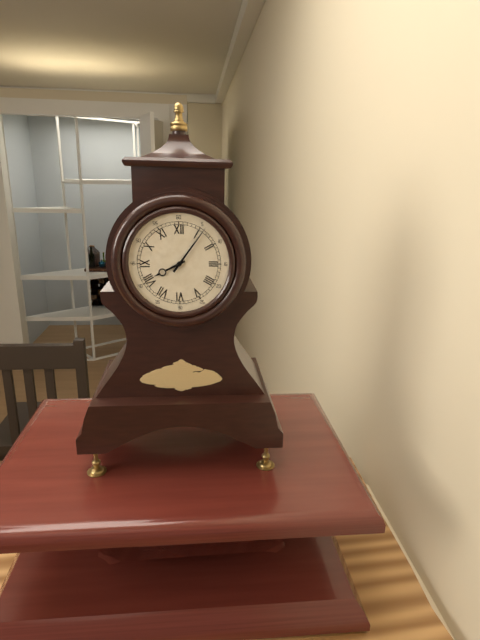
8:06
